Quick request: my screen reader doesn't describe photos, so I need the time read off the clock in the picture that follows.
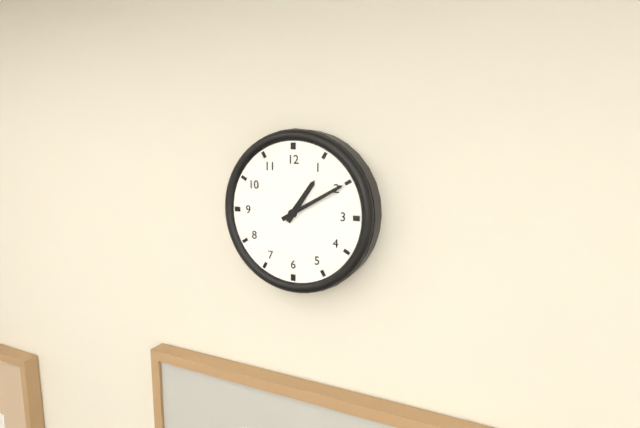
1:10
